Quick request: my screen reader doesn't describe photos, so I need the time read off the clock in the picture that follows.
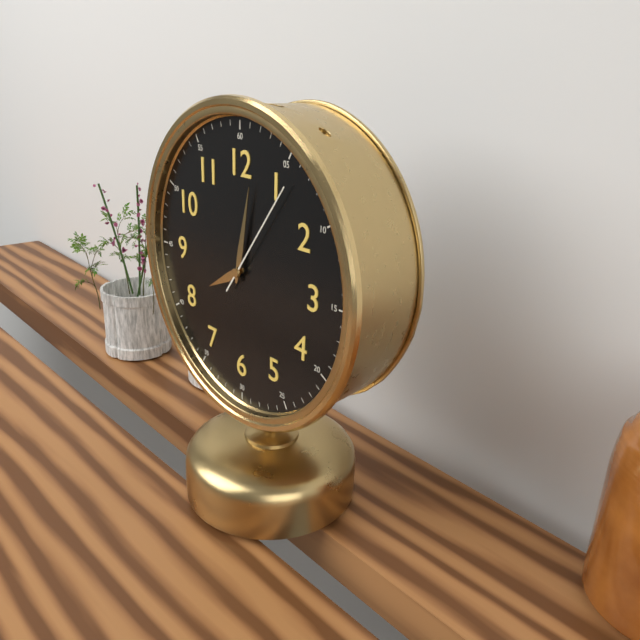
8:02:06
